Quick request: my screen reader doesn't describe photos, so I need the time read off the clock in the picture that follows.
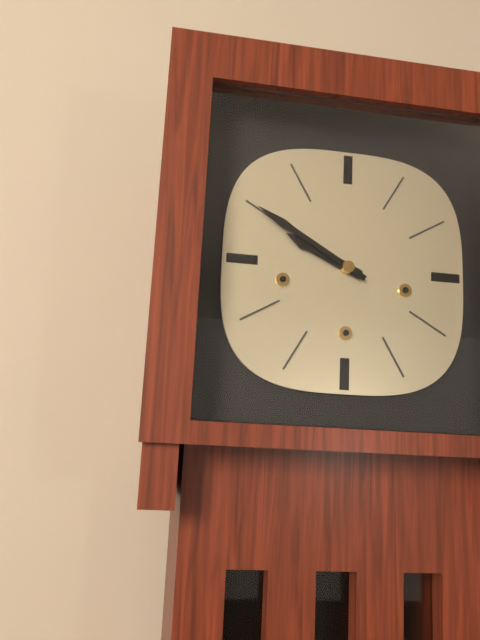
9:50
